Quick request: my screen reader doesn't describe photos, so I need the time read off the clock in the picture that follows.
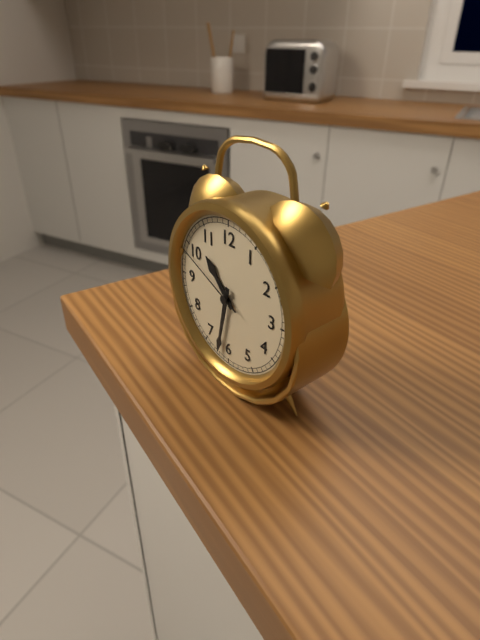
10:32:49
